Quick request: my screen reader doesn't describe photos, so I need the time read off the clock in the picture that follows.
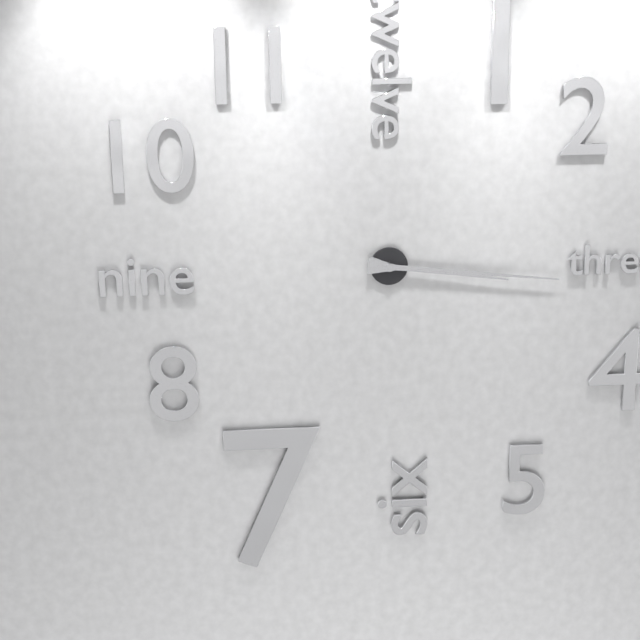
3:16
